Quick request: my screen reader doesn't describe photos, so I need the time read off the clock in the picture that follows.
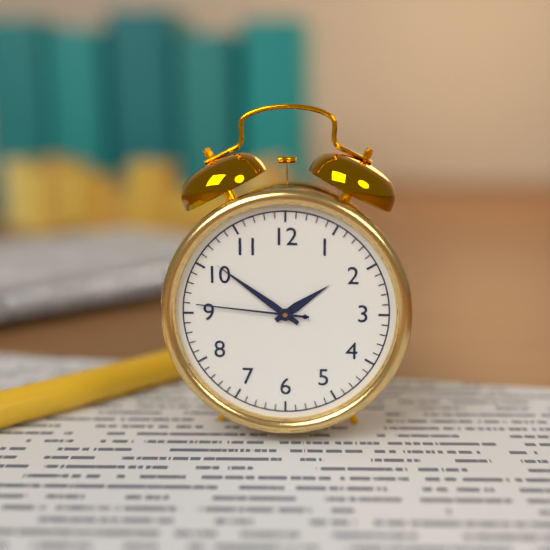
1:51:46
